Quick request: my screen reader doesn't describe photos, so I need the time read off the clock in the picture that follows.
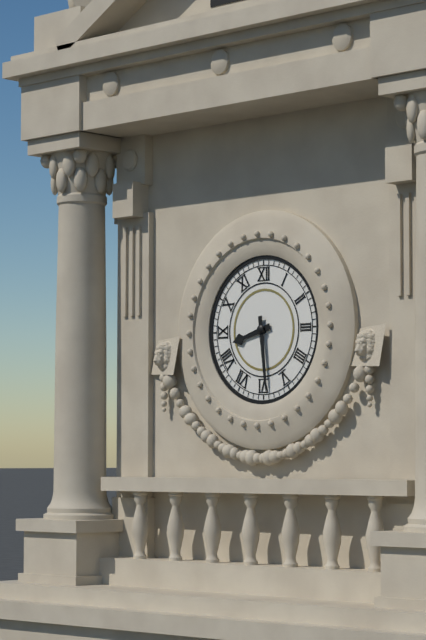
8:29
